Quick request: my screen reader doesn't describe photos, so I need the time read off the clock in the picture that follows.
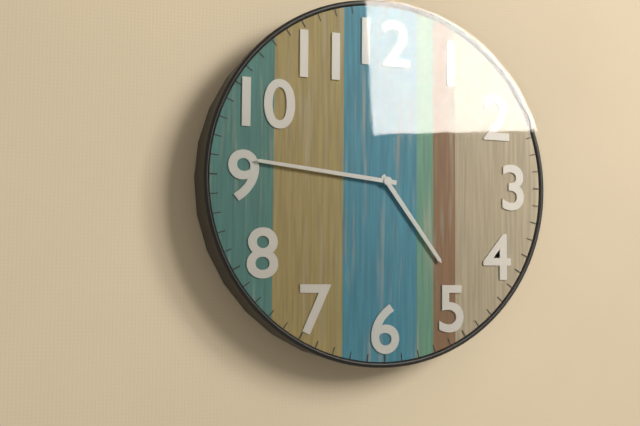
4:46
